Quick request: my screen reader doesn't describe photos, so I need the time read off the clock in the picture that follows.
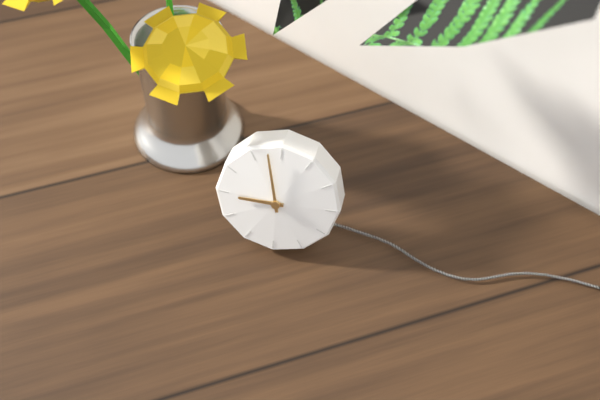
8:58
